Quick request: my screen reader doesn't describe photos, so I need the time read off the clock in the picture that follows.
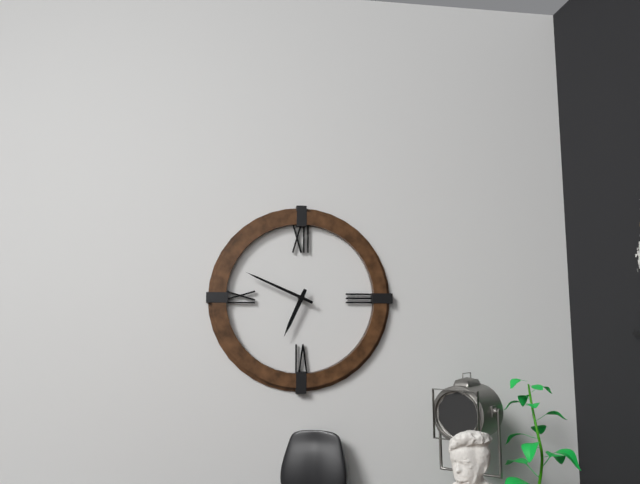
6:49
